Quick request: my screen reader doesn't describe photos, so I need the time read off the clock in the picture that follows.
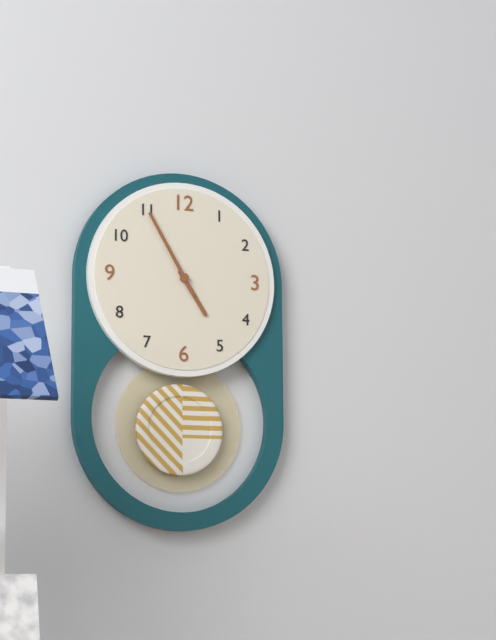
4:55
